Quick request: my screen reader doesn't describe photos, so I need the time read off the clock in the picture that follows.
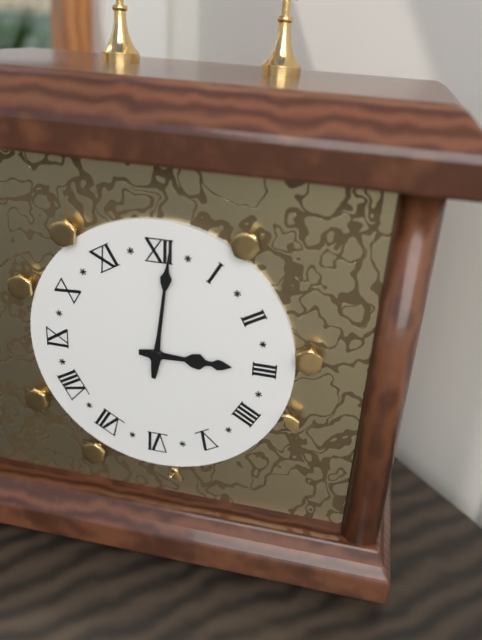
3:01
